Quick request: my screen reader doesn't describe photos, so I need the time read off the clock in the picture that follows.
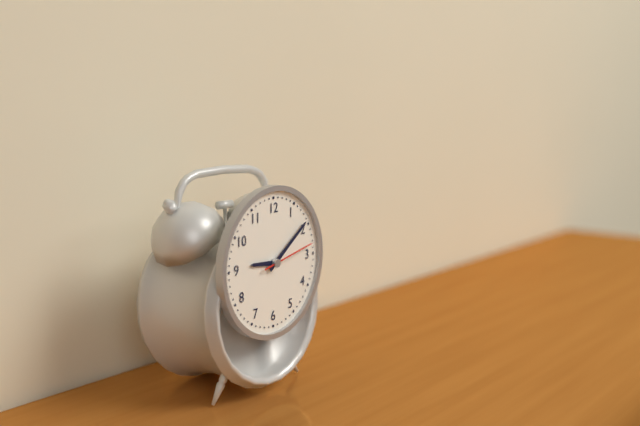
9:09:13
